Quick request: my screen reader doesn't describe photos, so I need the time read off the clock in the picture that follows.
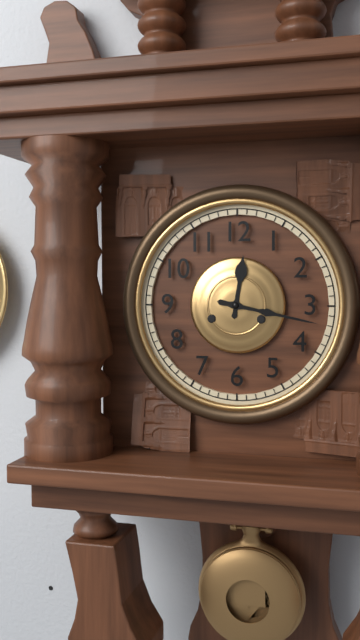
12:17
